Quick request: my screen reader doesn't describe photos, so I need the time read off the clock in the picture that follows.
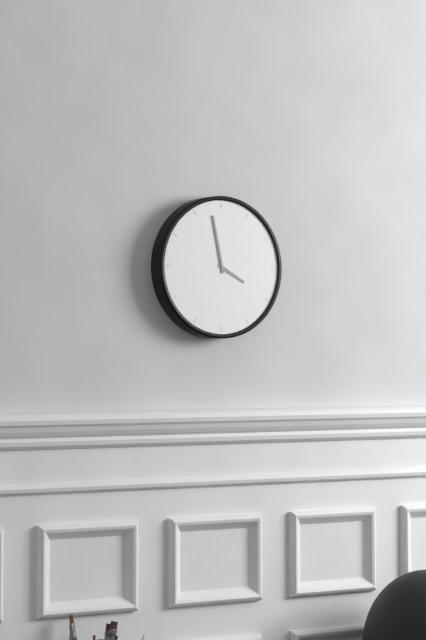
3:58
